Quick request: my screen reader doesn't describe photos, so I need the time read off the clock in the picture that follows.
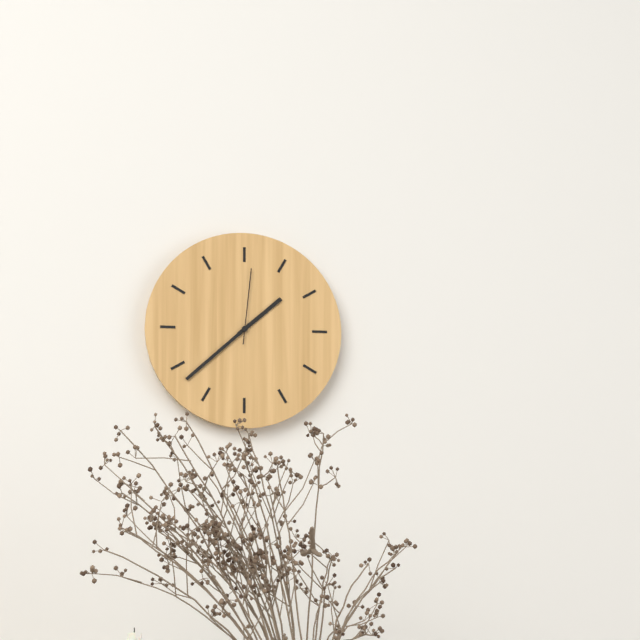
1:38:01
